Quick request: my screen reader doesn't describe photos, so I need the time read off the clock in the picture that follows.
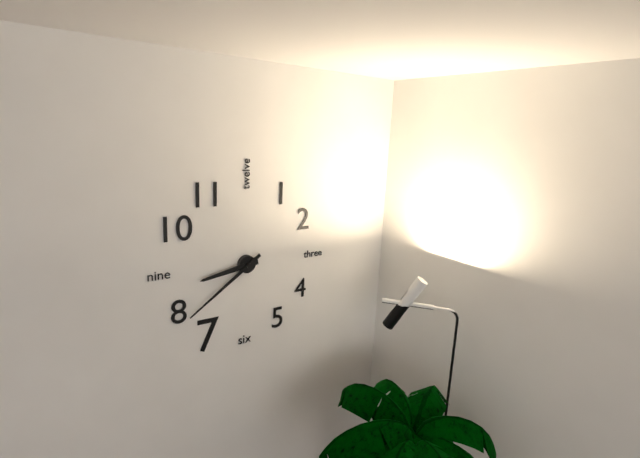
8:39
